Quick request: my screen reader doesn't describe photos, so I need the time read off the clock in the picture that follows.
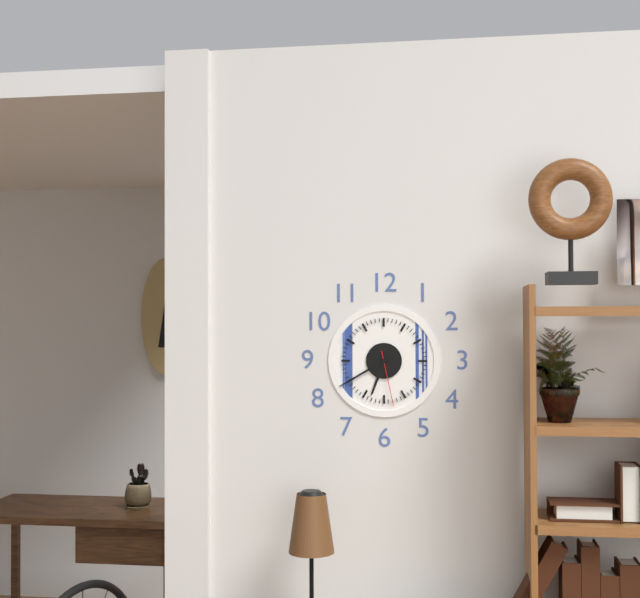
6:40:28
